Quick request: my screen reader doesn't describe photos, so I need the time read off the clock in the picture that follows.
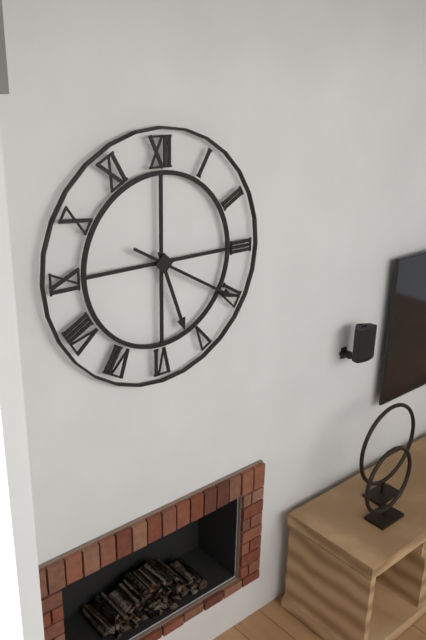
5:20
